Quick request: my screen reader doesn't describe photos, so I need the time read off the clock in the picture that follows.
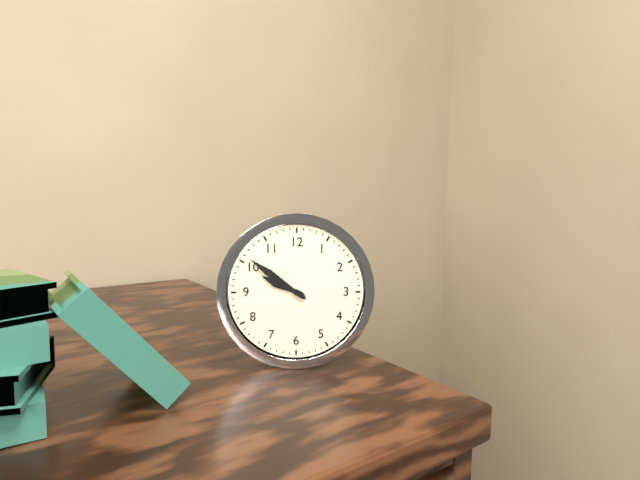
9:51
